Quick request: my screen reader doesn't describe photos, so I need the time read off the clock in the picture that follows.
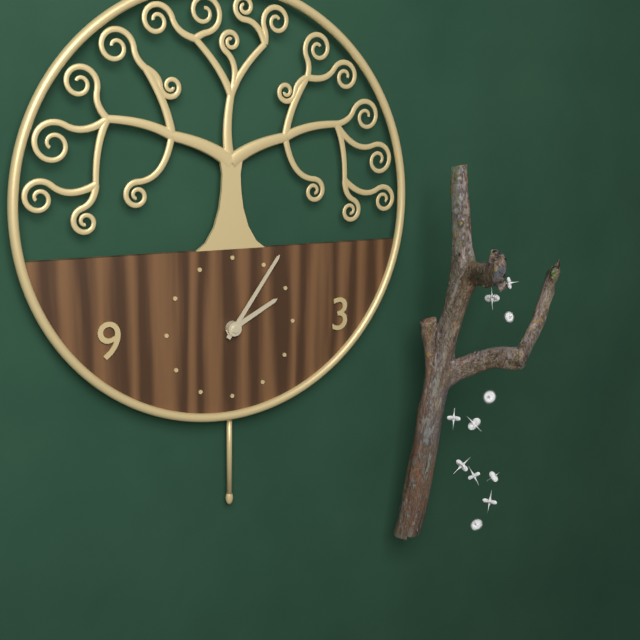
2:06
